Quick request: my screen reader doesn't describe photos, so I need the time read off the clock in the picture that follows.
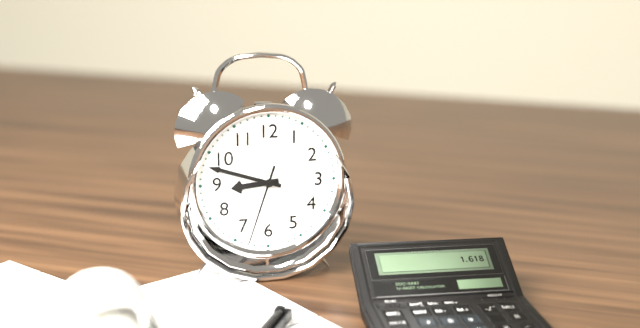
8:48:33
